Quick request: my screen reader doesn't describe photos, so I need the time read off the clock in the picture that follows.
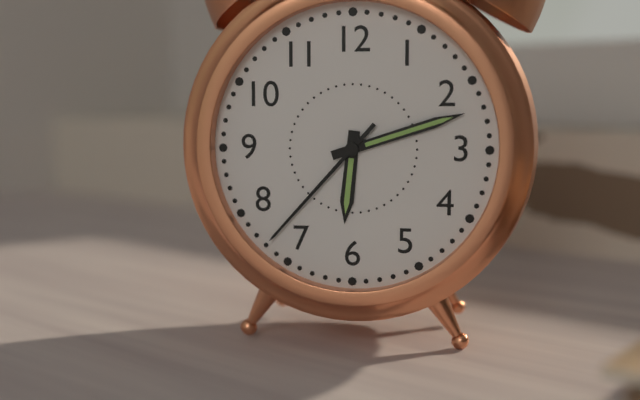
6:12:37
